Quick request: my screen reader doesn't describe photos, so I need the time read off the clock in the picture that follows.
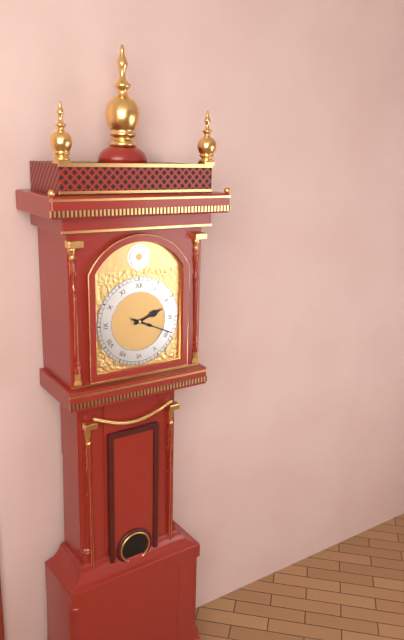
2:19
